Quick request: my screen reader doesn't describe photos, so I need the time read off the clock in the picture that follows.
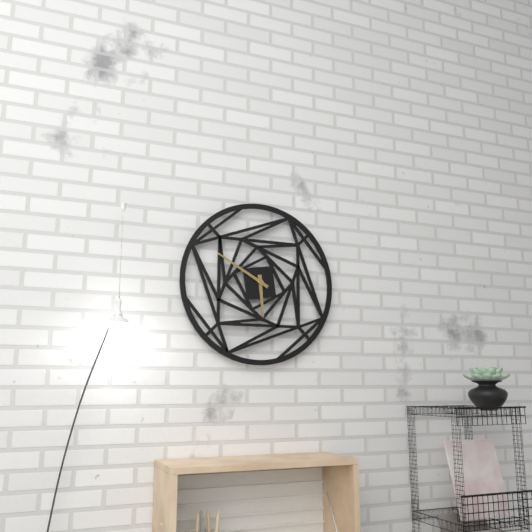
5:50
